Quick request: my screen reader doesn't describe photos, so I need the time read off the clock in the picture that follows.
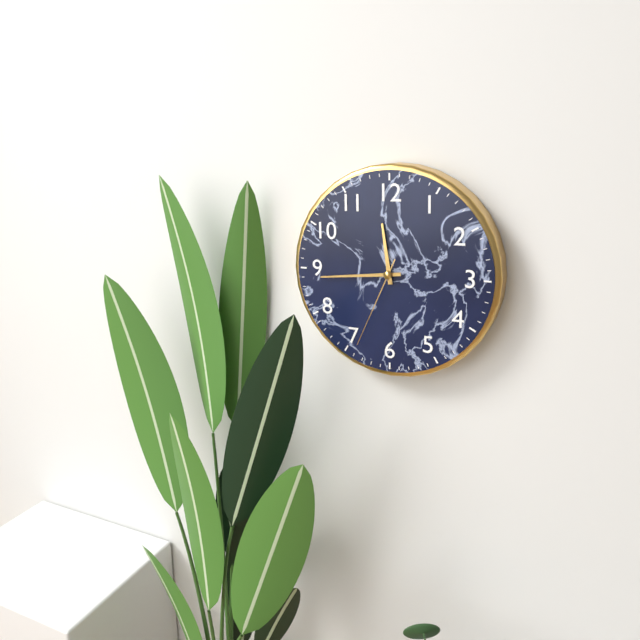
11:44:34
